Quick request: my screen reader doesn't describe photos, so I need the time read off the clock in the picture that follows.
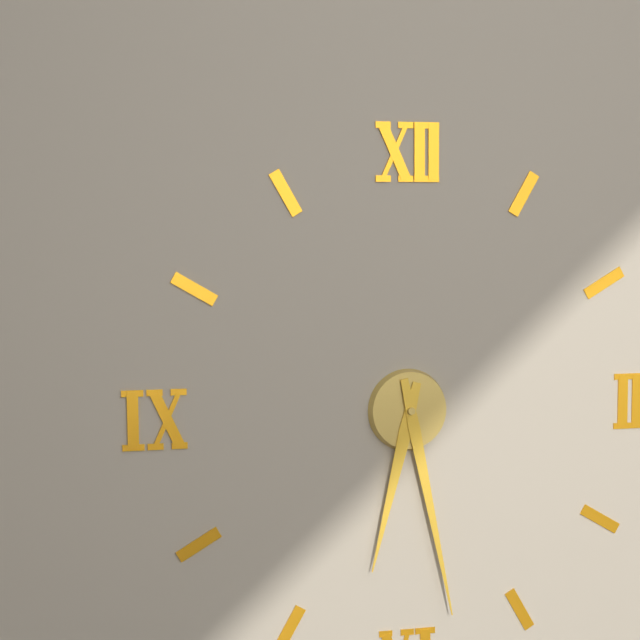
6:28
